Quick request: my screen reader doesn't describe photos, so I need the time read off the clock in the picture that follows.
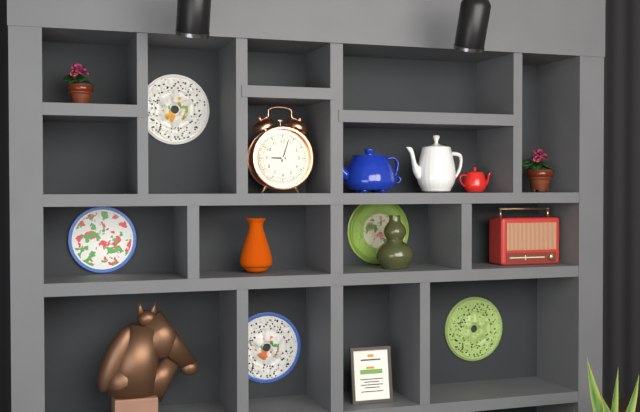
9:03
